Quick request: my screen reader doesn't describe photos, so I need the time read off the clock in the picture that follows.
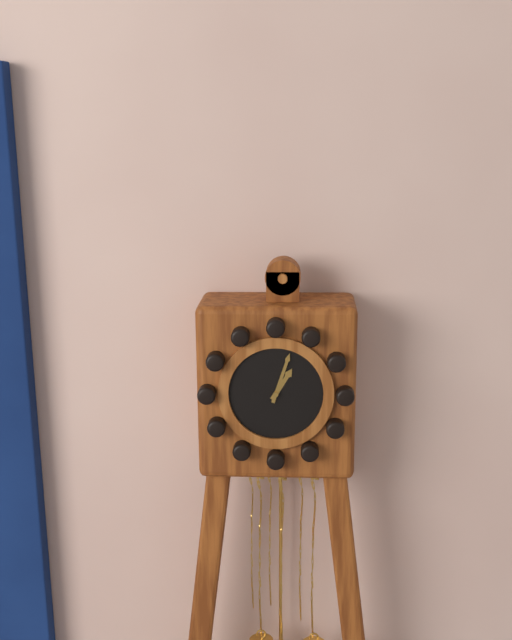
1:03
